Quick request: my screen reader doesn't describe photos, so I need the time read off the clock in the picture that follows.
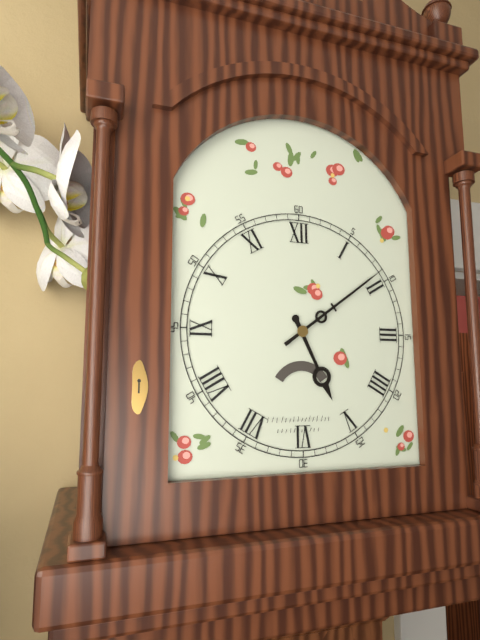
5:09
